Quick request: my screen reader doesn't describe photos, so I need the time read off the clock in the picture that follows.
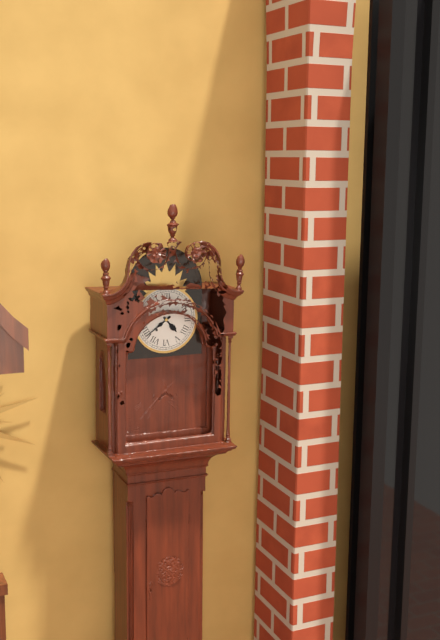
4:39
